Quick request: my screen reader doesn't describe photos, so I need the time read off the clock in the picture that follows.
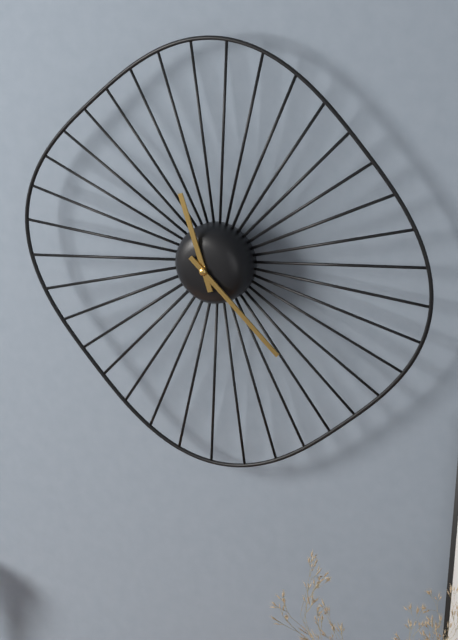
11:22
